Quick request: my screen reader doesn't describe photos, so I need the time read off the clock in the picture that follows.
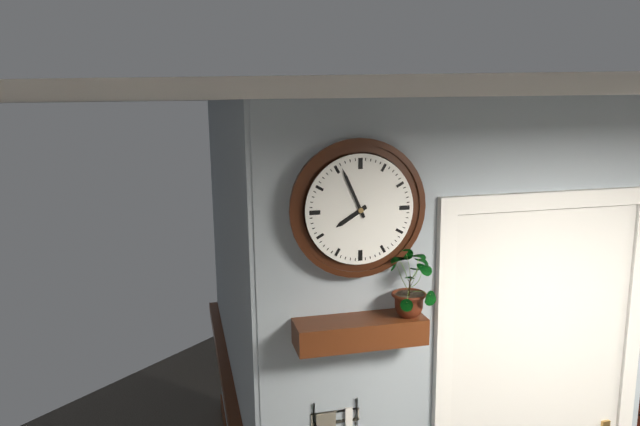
7:56
